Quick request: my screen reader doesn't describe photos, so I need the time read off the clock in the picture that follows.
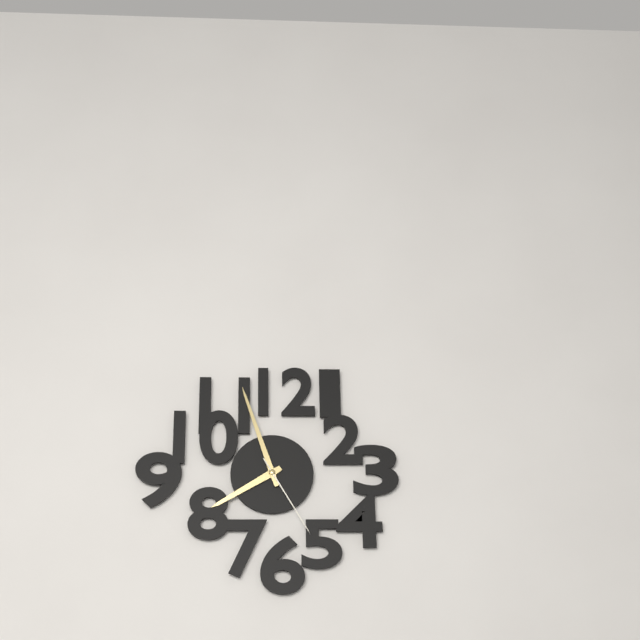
7:57:25
